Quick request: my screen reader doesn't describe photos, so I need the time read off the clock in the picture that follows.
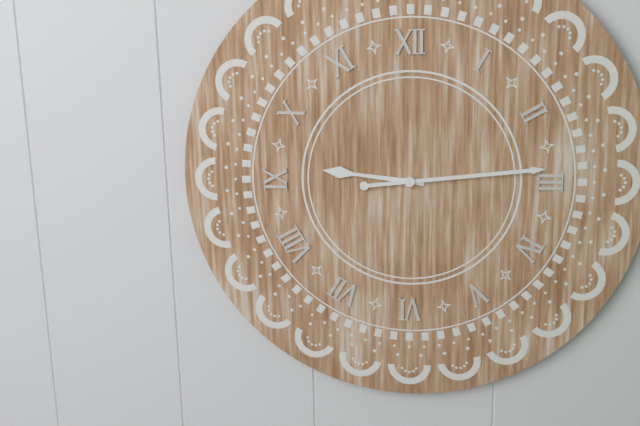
9:14
